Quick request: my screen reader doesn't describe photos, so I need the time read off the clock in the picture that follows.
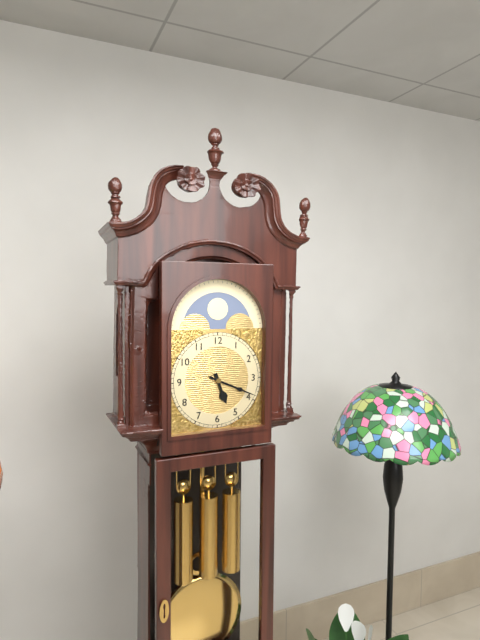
5:19
